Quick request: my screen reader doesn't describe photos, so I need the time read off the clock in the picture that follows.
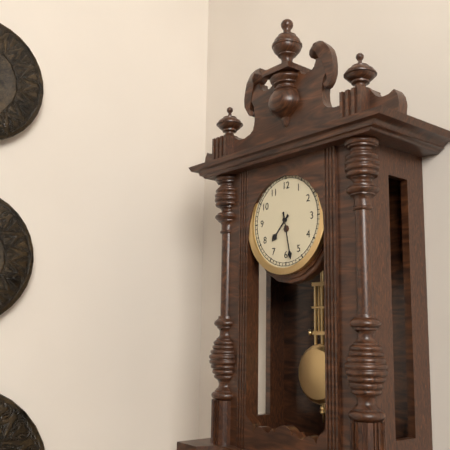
7:28
